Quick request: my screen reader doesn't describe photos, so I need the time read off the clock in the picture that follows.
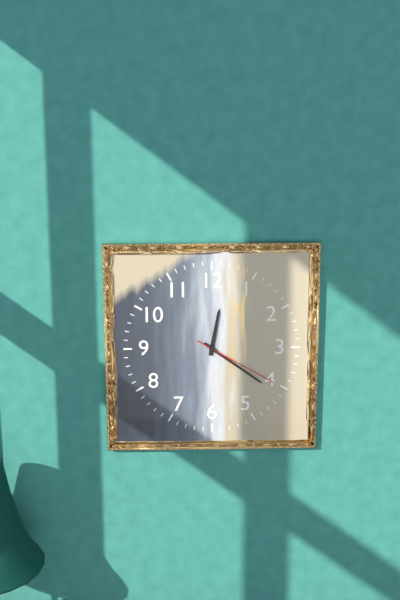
12:21:20
